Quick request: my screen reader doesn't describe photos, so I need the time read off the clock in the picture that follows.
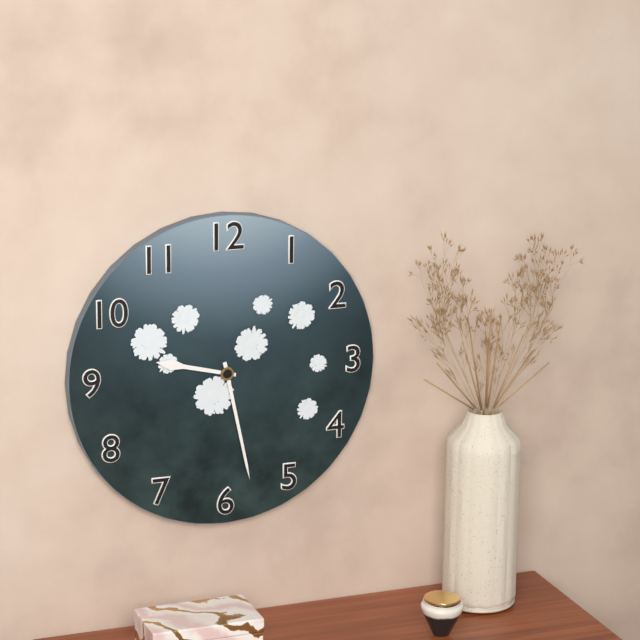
9:28
